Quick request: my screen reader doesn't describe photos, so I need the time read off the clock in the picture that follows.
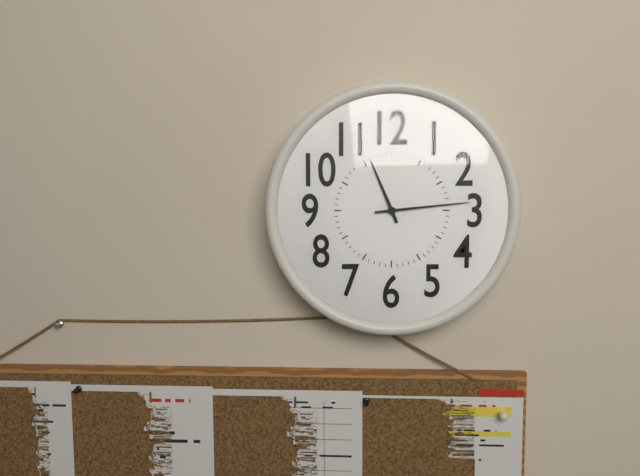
11:14
